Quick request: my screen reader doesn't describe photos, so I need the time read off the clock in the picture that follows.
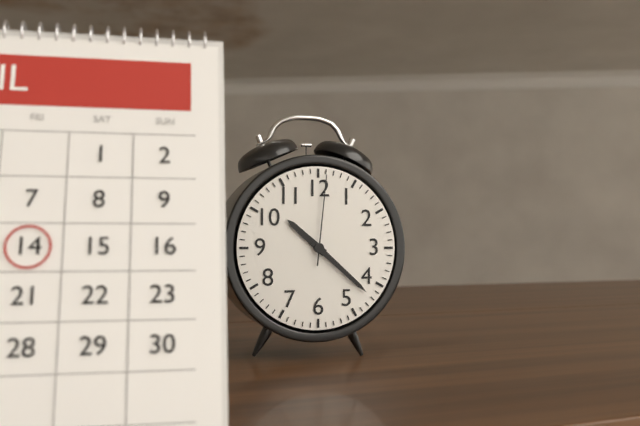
10:22:01
